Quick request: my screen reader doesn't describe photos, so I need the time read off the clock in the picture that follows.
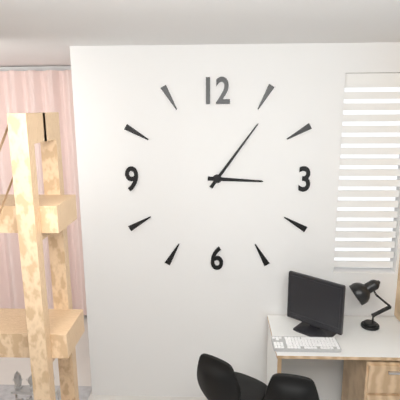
3:06
